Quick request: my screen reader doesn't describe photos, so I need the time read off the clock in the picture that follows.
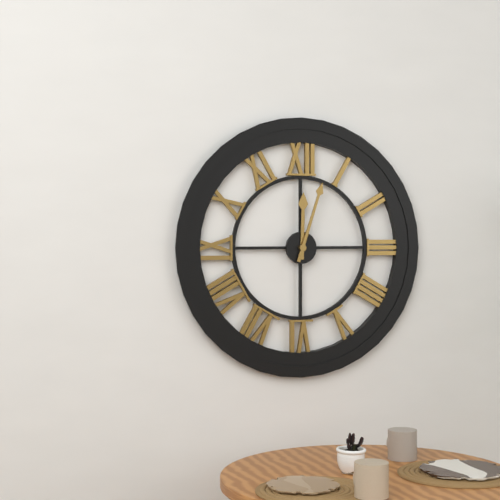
12:03
